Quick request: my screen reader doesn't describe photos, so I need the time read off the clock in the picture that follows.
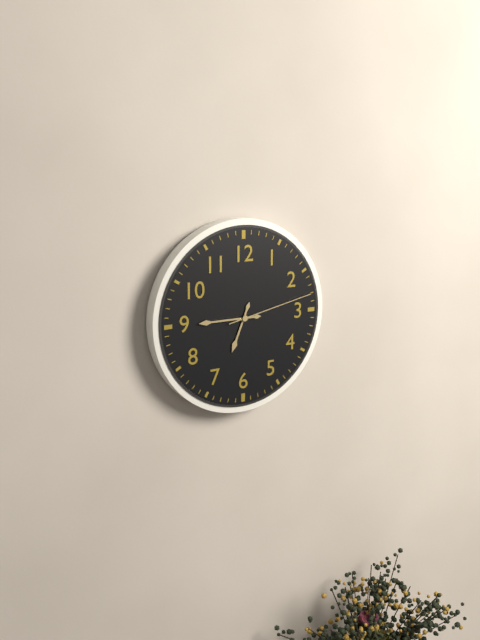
6:45:13
